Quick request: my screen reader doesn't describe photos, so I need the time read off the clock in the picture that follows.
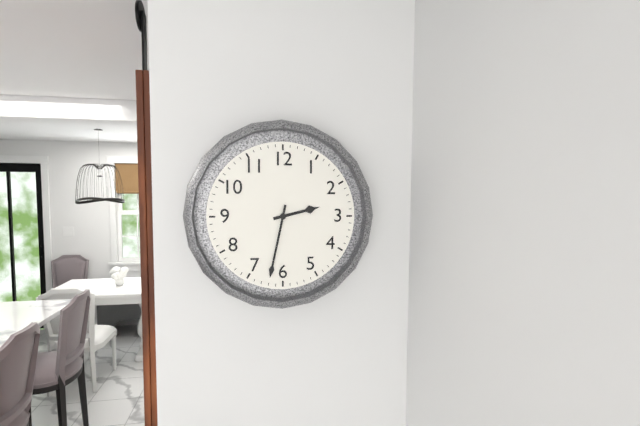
2:32
